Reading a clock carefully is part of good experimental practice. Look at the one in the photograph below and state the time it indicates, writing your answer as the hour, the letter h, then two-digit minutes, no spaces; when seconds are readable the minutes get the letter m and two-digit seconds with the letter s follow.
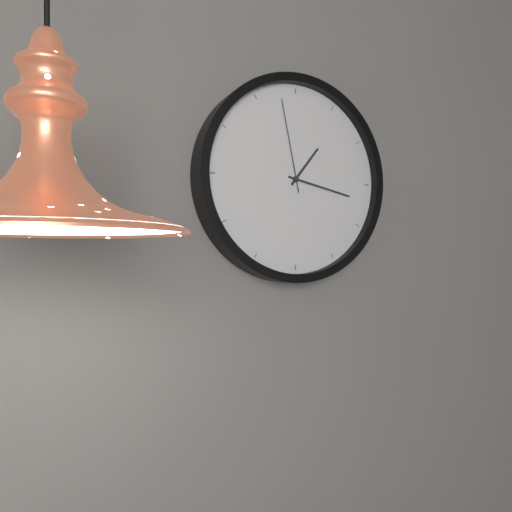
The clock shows 1h17m58s
